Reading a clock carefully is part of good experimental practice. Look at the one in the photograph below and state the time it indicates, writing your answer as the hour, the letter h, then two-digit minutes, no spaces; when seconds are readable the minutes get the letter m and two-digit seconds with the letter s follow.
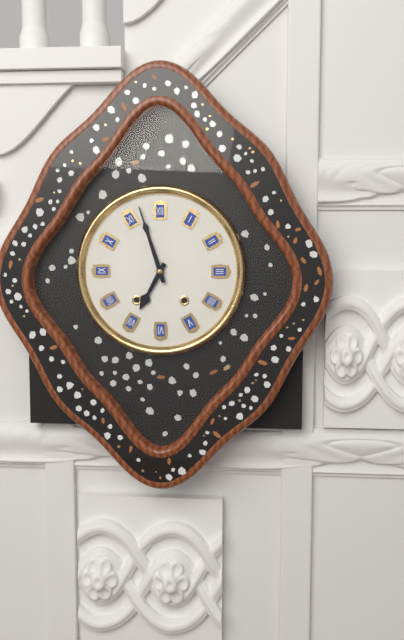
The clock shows 6h57
